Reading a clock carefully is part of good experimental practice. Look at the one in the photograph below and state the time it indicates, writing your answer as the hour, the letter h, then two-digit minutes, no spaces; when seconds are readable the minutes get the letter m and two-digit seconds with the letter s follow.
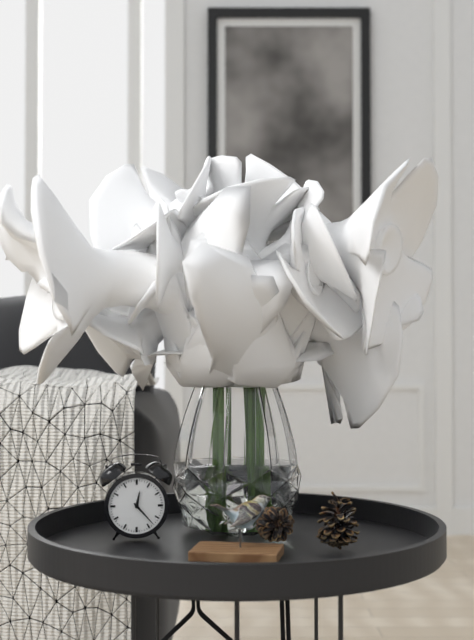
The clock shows 12h23
